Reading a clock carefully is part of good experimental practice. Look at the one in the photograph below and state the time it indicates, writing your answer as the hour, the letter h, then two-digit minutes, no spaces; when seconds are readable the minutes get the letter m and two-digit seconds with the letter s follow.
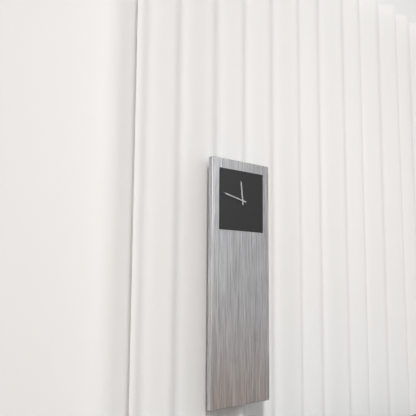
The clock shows 11h47
